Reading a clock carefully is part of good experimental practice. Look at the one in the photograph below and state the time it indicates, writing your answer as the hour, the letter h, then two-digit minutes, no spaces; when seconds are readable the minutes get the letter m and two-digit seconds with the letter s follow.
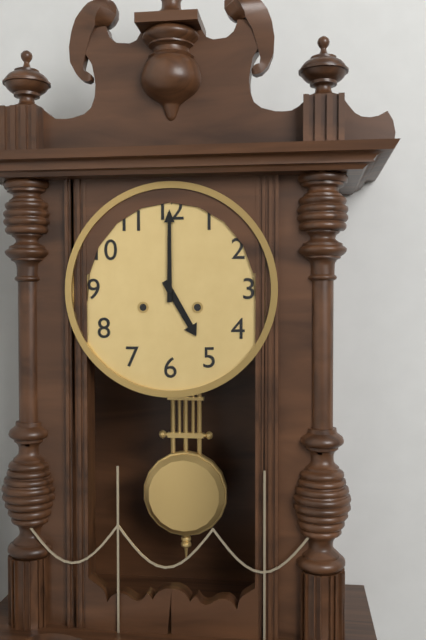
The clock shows 5h00
